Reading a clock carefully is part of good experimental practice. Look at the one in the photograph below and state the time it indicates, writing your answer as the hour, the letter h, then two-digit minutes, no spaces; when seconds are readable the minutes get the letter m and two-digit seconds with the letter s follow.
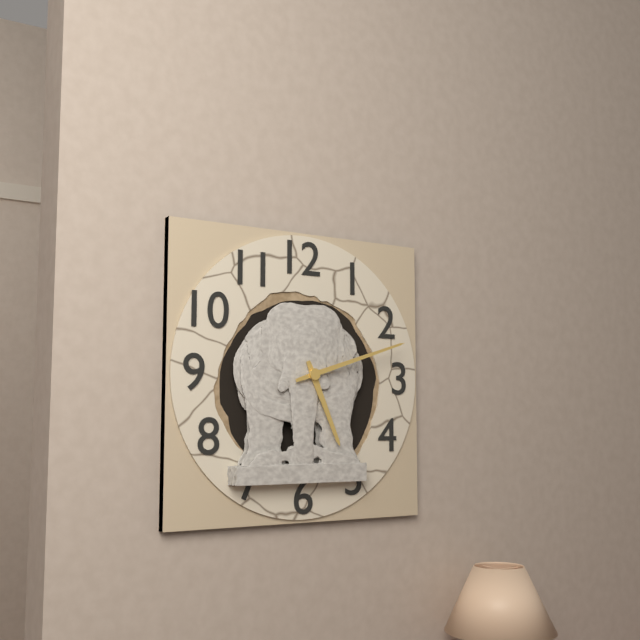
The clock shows 5h12
